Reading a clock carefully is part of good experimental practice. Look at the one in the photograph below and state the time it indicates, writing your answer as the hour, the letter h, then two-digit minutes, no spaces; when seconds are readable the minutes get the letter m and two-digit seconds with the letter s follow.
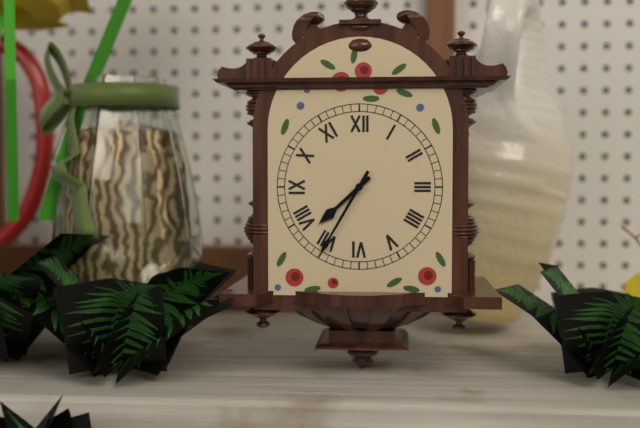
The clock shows 7h35
